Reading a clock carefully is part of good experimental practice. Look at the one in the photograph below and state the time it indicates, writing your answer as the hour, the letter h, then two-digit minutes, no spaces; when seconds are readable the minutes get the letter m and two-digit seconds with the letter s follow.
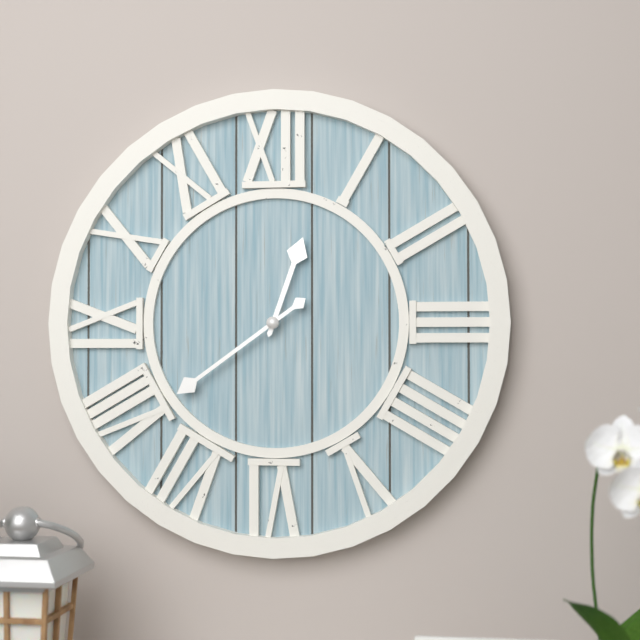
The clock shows 12h39
